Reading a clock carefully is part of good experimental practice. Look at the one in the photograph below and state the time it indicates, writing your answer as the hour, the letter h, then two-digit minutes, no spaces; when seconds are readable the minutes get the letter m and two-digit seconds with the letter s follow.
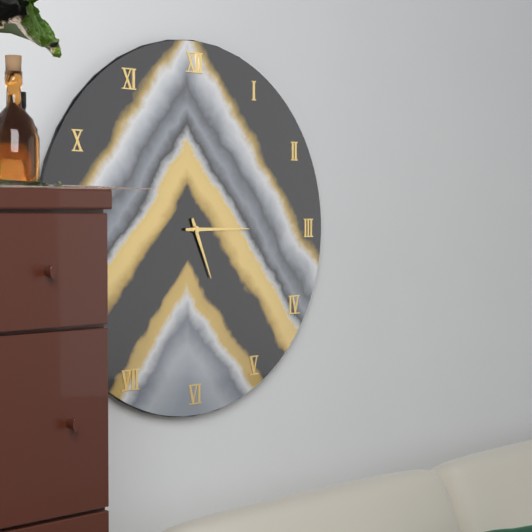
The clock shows 5h15
